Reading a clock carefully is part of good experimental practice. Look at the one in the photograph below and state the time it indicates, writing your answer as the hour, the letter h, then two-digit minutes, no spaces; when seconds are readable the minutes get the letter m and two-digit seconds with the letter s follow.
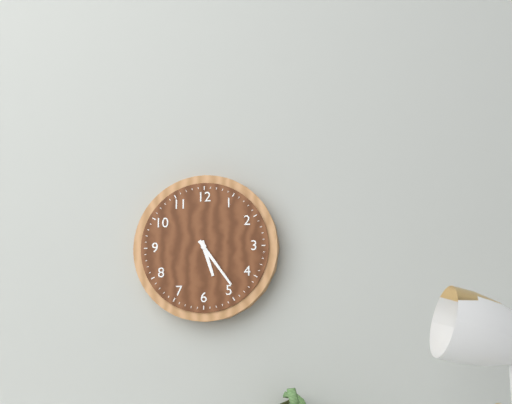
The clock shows 5h24
